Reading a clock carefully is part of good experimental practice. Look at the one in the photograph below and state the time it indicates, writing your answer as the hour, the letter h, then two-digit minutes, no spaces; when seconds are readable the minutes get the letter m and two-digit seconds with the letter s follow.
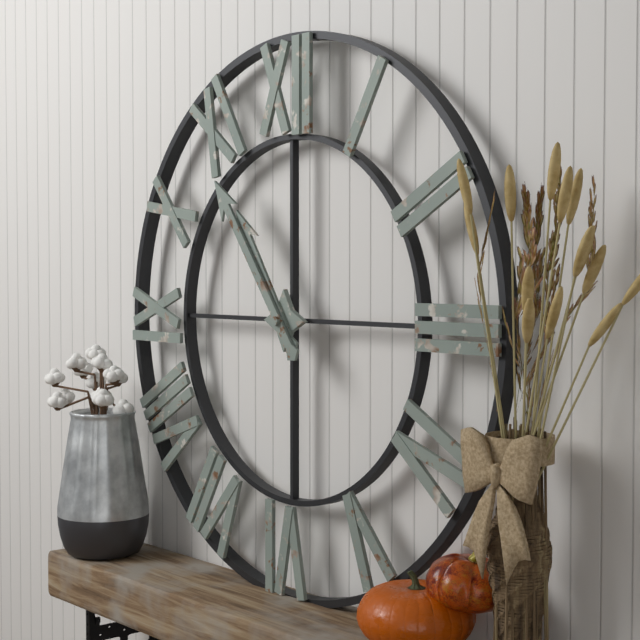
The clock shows 10h54
